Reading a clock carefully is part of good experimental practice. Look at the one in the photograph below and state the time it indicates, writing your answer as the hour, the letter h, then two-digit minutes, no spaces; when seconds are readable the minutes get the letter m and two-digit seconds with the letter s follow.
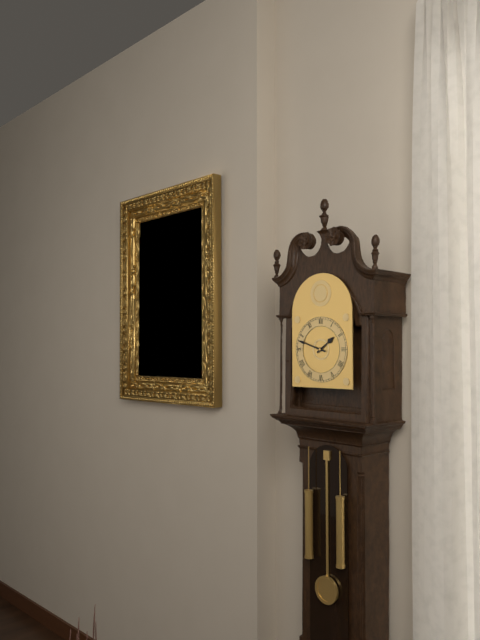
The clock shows 1h48
